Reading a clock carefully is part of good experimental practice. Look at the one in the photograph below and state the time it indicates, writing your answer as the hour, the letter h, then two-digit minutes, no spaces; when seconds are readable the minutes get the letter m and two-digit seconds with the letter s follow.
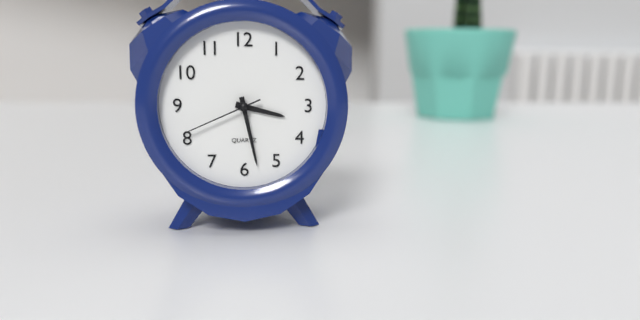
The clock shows 3h28m41s
